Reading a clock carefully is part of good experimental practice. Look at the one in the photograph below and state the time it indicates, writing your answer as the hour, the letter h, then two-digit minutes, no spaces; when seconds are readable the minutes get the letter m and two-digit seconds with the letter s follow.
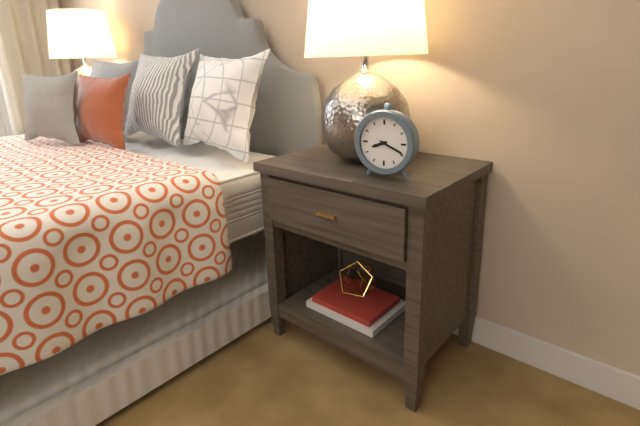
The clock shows 8h19
